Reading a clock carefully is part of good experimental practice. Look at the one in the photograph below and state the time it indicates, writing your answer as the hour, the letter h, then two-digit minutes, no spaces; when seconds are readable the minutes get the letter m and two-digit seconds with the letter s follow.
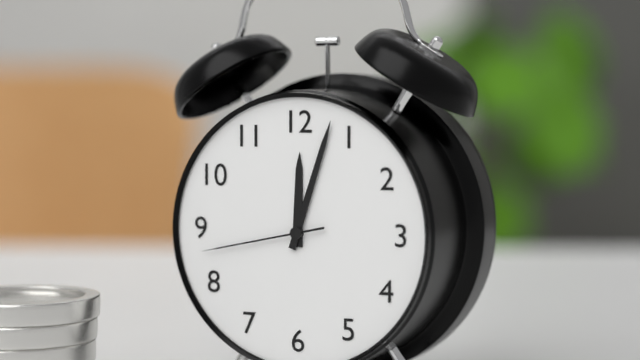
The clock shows 12h03m43s
